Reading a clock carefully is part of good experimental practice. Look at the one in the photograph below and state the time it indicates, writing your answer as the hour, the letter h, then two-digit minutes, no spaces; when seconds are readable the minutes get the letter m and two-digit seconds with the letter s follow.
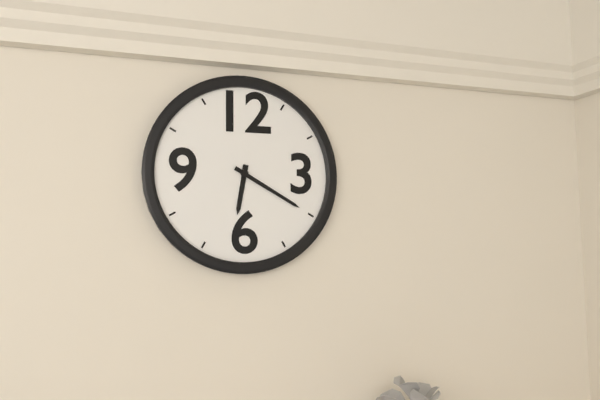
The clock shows 6h20
